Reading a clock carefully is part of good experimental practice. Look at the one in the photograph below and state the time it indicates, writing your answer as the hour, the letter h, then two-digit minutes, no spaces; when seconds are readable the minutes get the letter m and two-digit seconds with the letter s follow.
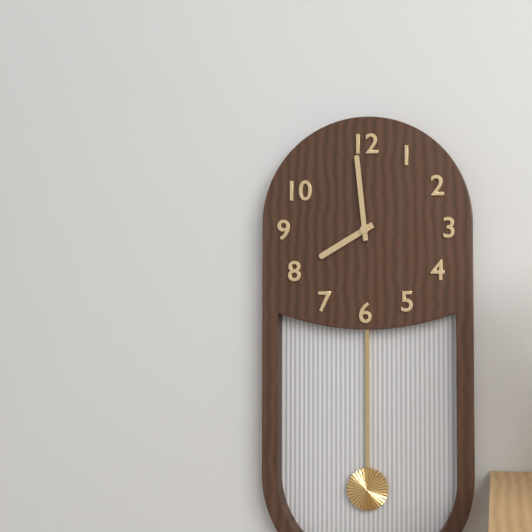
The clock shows 7h59
